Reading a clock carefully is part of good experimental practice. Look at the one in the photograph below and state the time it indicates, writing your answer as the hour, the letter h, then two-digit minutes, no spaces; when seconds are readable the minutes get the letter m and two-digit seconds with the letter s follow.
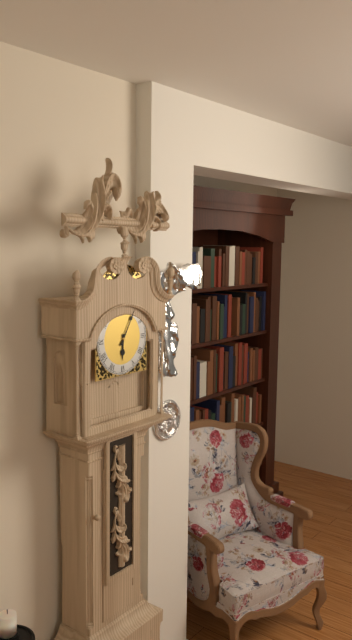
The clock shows 6h05
